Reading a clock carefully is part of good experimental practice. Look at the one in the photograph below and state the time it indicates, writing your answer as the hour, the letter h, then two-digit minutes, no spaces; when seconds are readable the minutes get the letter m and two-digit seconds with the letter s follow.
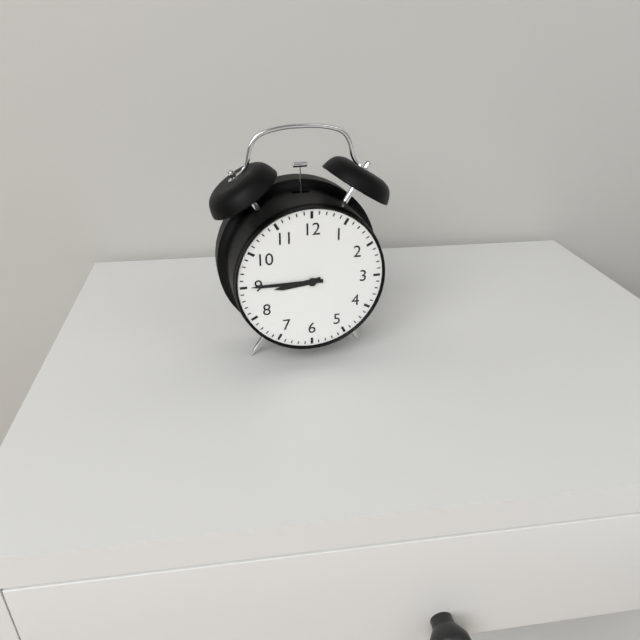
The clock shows 8h45
